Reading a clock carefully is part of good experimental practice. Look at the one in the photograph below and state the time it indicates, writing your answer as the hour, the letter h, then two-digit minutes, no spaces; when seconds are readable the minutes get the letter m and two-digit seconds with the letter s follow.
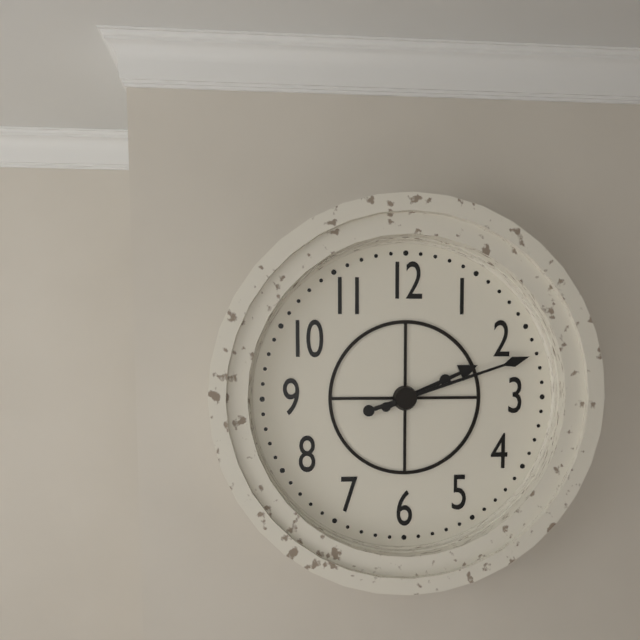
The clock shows 2h12
